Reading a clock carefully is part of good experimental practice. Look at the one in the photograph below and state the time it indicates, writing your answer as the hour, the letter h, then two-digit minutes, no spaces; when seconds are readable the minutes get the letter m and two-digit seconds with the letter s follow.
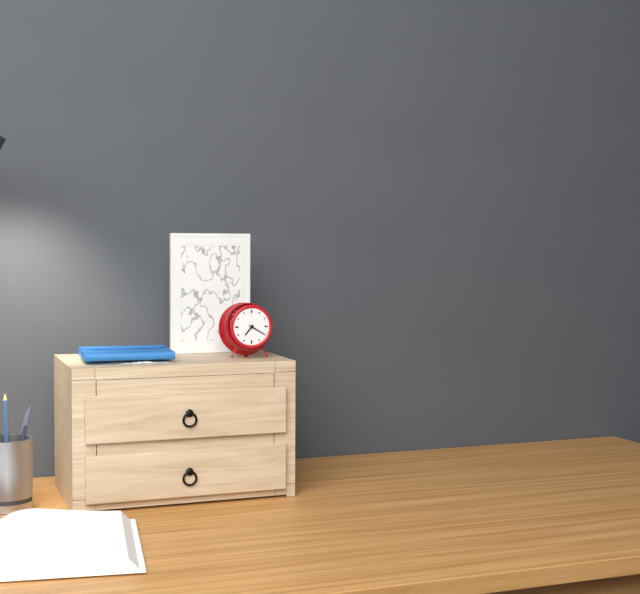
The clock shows 7h20
